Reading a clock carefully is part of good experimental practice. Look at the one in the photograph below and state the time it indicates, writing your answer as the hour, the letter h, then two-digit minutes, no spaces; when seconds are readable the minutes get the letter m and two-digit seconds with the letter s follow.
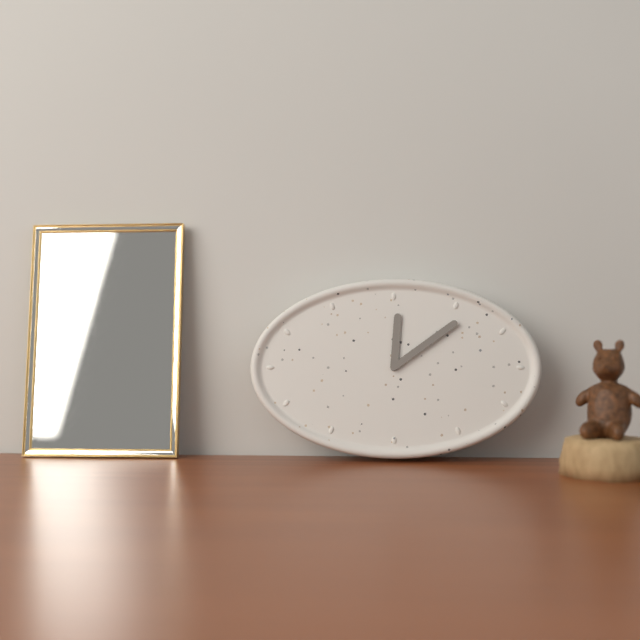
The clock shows 12h09
